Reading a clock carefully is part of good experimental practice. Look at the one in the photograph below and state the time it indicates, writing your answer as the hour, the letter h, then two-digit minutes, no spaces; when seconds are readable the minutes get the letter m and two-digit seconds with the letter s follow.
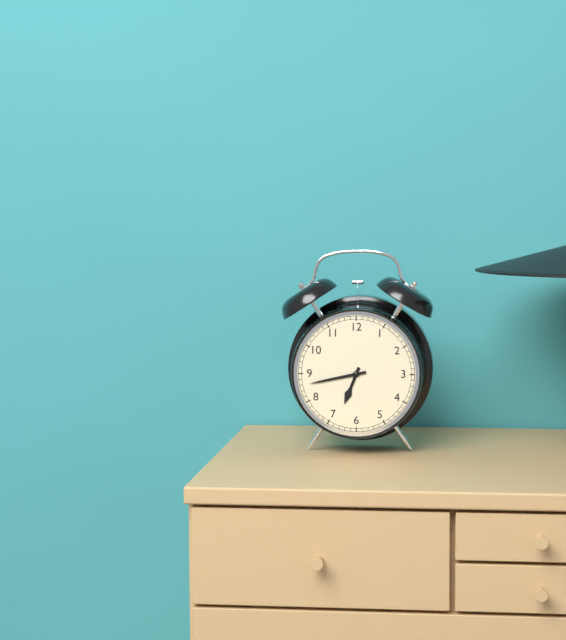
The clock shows 6h43
